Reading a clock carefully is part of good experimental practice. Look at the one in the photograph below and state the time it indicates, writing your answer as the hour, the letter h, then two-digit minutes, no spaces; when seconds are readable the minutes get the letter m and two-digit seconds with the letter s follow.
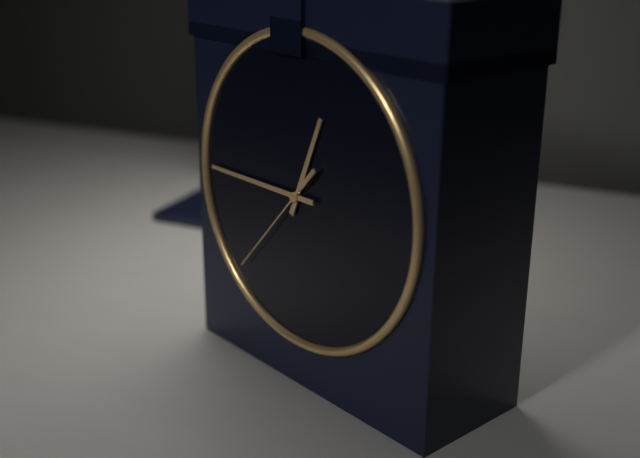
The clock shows 12h45m37s
